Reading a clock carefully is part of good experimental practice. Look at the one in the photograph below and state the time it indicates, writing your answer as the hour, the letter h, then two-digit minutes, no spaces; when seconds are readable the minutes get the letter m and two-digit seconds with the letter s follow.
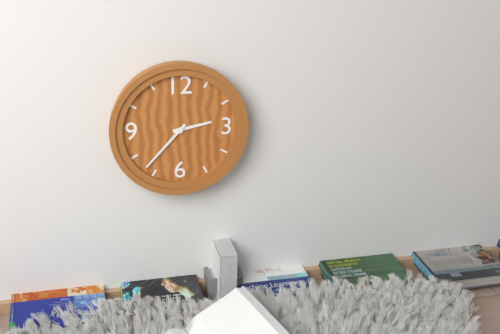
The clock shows 2h37
